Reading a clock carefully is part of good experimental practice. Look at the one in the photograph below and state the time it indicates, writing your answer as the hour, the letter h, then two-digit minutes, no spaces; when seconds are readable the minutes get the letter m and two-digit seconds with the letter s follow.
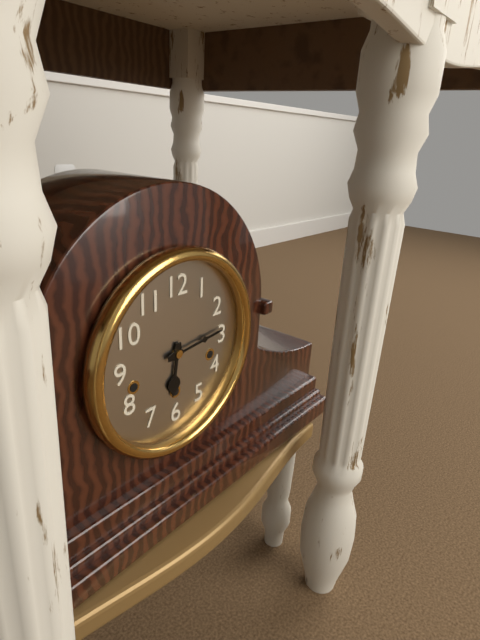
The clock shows 6h14
